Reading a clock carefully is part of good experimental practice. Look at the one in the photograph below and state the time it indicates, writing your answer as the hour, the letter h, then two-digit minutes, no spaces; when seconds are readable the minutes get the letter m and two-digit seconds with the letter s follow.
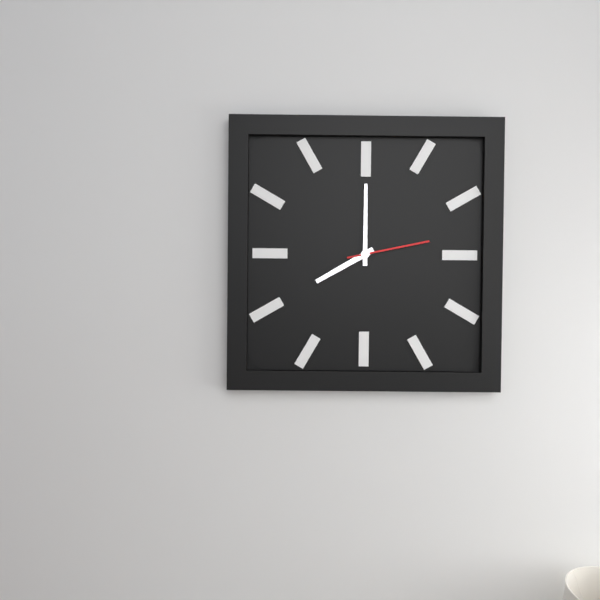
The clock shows 8h00m13s
